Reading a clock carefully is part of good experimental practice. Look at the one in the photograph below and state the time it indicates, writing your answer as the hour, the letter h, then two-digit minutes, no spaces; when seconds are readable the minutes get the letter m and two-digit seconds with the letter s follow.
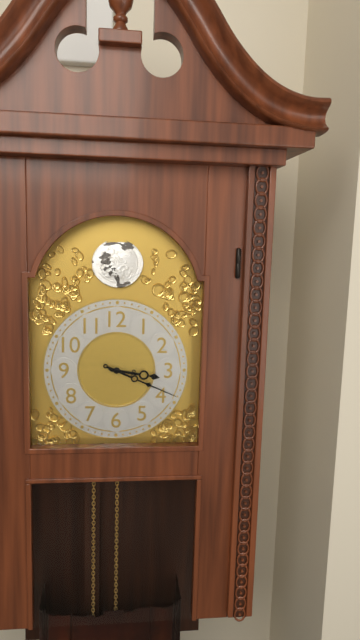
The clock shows 3h19
